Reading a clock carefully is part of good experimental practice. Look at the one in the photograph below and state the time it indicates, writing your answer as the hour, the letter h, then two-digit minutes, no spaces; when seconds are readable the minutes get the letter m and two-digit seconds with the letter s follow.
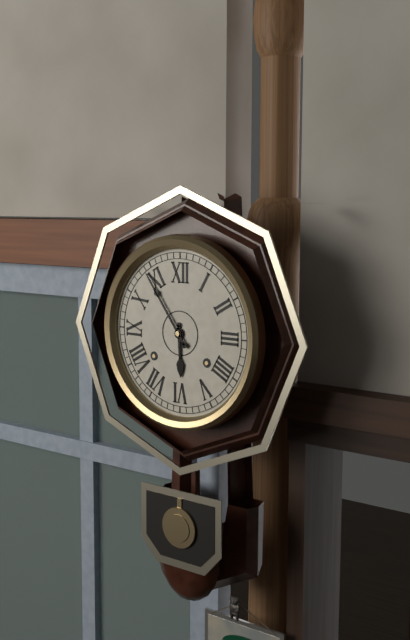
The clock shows 5h54
